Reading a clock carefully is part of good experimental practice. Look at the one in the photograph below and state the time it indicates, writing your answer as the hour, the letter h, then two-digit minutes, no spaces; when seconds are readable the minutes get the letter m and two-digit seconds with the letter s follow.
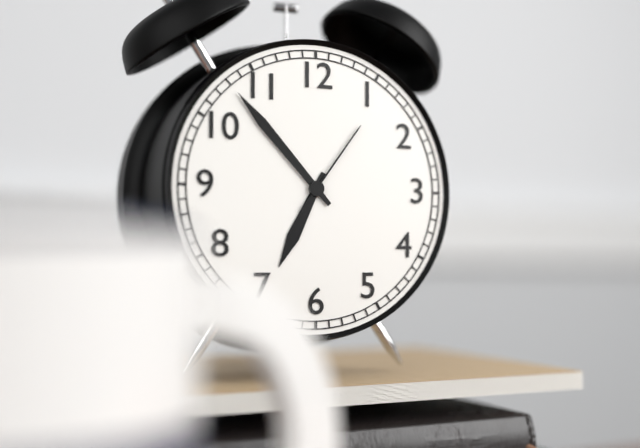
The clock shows 6h53m06s
